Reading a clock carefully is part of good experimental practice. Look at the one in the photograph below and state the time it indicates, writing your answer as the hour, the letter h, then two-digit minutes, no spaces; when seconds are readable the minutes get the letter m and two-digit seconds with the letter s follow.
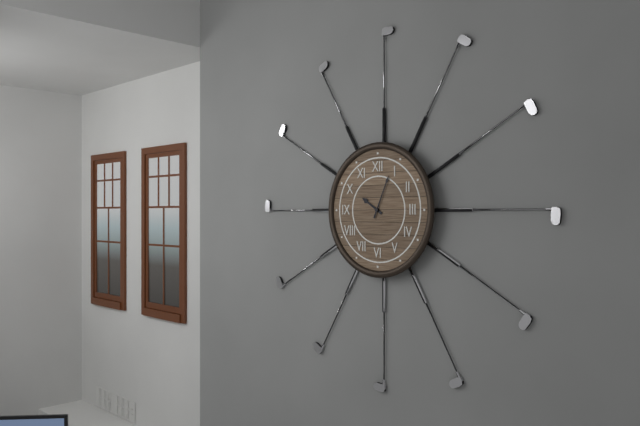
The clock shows 10h04
